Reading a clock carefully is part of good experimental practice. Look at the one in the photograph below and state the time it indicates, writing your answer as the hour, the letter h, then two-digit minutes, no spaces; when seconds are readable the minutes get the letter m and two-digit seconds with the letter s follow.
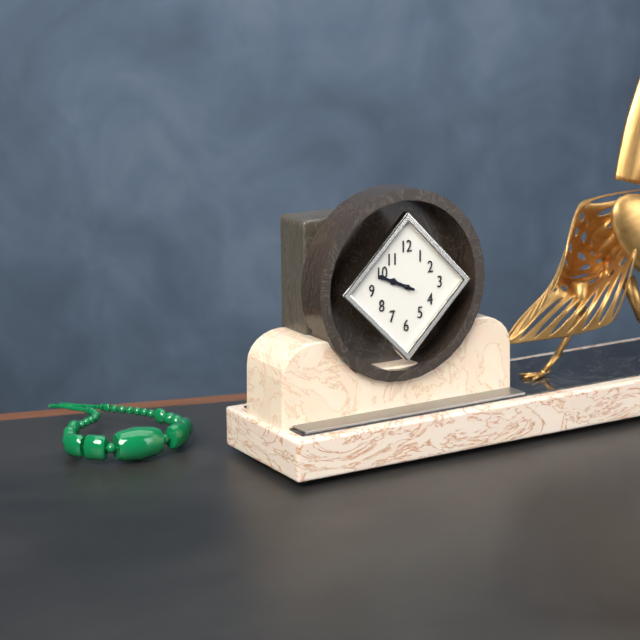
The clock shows 9h49
